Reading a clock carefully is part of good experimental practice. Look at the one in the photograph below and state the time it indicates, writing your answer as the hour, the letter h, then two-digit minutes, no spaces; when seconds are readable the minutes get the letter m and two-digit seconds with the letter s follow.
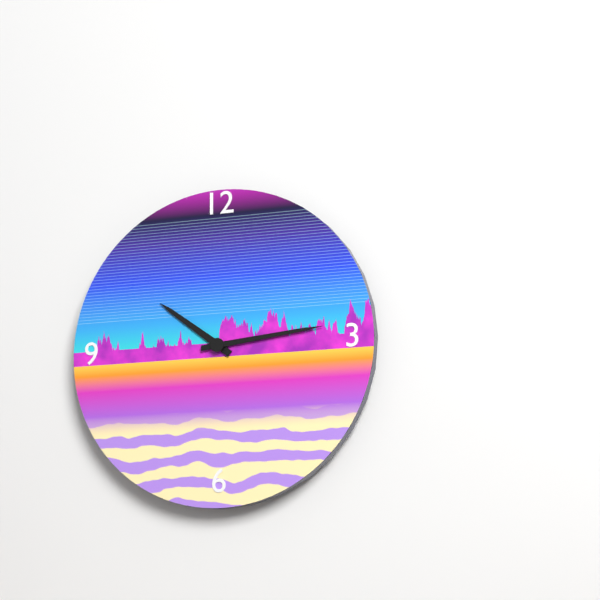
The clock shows 10h14
